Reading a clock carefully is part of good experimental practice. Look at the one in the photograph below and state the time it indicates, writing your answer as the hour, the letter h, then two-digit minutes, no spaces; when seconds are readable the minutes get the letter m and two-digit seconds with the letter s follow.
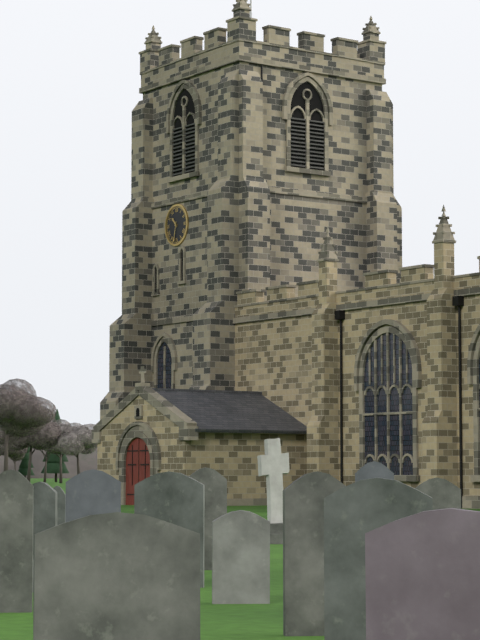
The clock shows 10h32
